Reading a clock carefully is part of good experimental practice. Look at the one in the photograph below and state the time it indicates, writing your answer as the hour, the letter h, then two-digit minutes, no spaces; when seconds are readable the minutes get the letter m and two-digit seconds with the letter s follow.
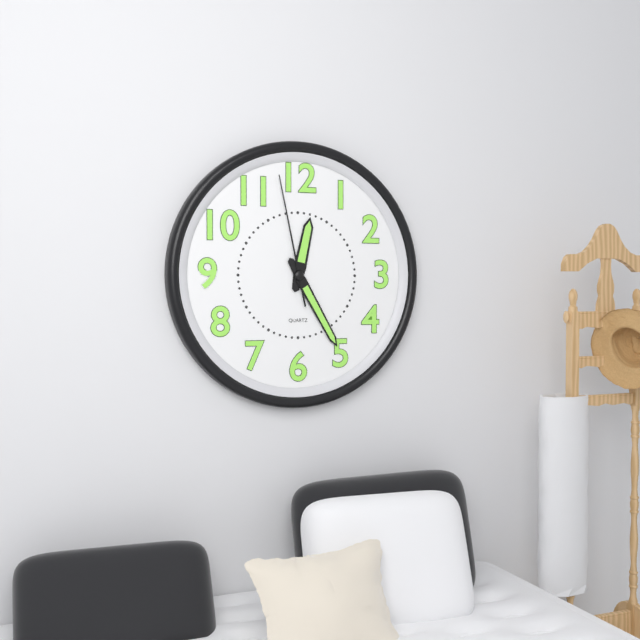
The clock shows 12h25m58s
